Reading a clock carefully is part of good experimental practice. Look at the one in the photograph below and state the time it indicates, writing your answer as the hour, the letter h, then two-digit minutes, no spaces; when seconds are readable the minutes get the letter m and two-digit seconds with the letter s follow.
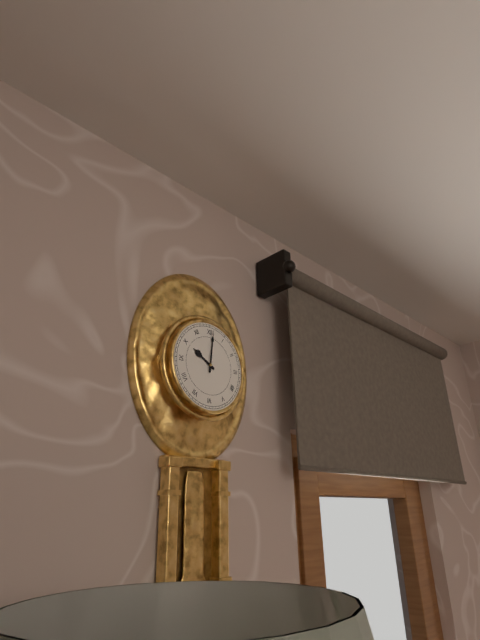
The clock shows 10h01
